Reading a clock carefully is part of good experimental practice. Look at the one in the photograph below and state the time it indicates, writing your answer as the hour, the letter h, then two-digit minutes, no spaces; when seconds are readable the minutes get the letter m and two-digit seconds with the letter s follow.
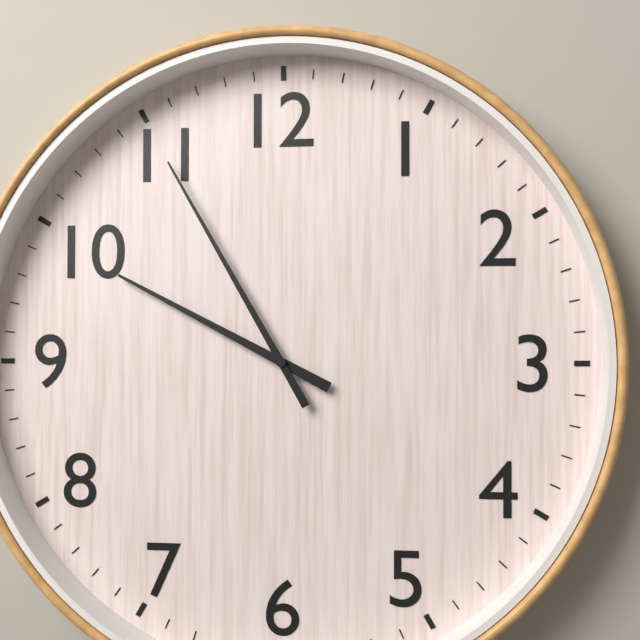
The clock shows 9h55
